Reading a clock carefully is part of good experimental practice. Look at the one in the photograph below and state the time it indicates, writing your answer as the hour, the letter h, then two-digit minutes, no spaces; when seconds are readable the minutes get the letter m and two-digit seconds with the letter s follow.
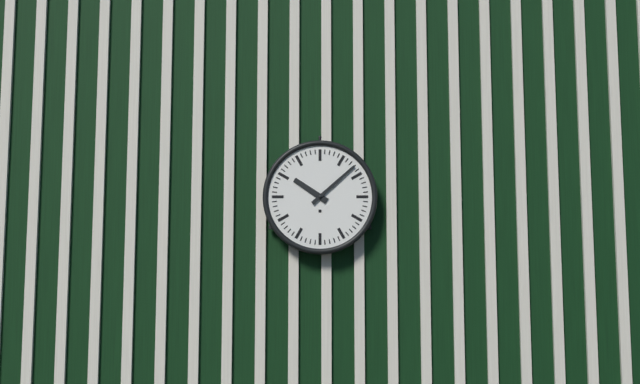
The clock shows 10h08
